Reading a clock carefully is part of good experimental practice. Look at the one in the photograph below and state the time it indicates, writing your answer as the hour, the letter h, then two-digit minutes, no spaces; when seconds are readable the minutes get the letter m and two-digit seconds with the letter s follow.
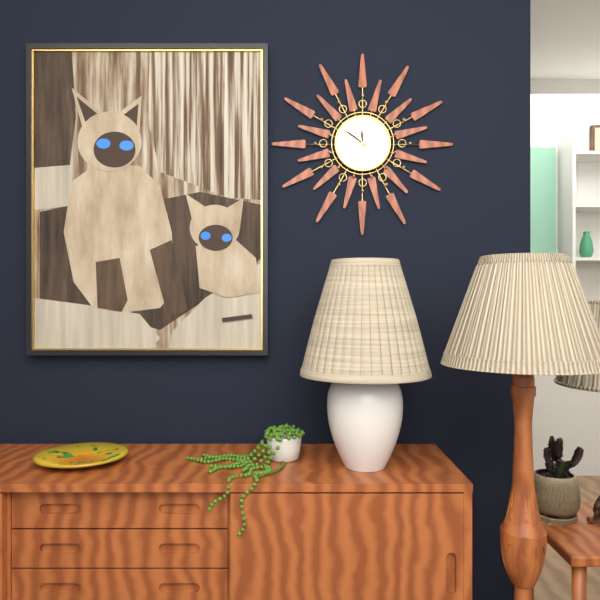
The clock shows 11h51
